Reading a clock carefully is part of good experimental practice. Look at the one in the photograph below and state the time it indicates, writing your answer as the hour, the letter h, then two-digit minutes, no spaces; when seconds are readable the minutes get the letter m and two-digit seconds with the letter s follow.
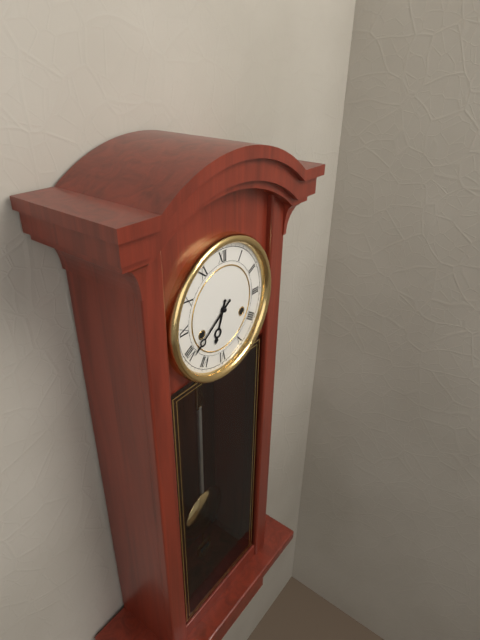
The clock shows 6h39
